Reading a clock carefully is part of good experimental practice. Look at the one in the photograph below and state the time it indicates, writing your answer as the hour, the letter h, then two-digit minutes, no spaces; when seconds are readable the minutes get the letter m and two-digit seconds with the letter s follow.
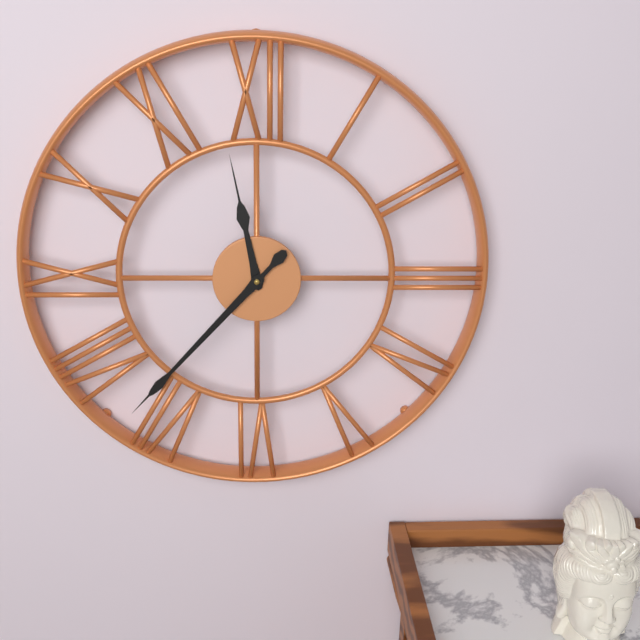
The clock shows 11h37
